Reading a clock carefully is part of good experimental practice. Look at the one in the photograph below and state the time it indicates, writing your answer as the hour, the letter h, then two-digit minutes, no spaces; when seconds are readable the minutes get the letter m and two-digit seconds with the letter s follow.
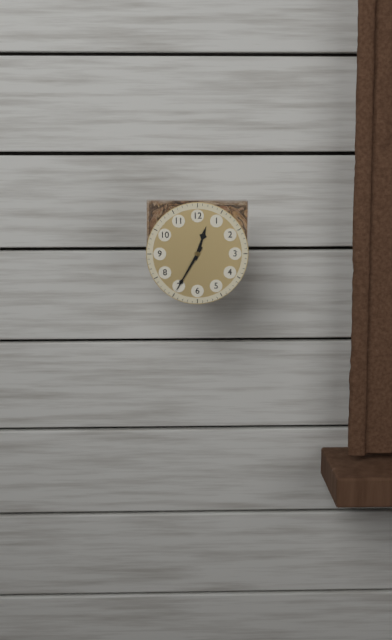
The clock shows 12h35
